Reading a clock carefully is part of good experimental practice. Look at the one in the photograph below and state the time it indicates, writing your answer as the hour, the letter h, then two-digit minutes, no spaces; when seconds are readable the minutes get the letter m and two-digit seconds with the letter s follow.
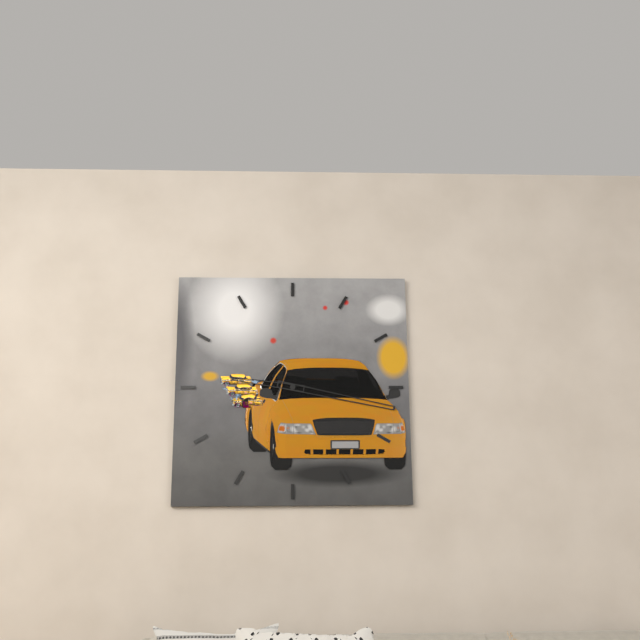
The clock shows 9h17
